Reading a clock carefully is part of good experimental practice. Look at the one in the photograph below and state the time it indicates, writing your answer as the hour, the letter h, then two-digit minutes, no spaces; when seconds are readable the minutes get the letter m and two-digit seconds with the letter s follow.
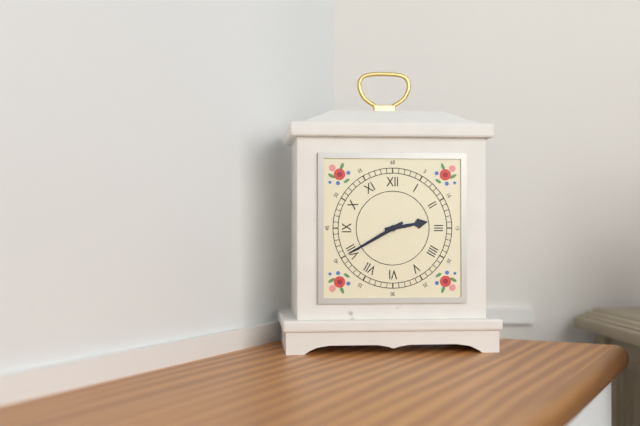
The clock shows 2h40
